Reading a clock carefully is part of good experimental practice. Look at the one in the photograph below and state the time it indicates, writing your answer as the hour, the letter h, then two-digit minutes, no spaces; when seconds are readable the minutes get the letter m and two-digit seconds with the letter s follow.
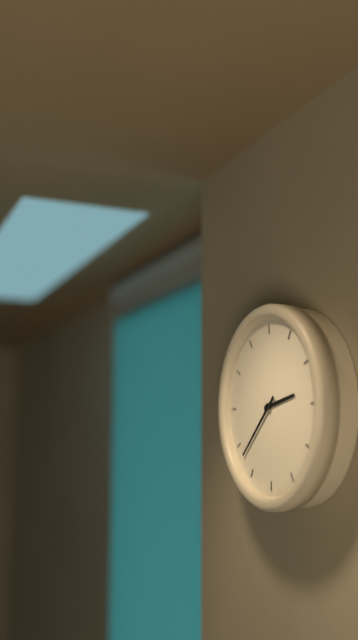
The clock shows 2h38
